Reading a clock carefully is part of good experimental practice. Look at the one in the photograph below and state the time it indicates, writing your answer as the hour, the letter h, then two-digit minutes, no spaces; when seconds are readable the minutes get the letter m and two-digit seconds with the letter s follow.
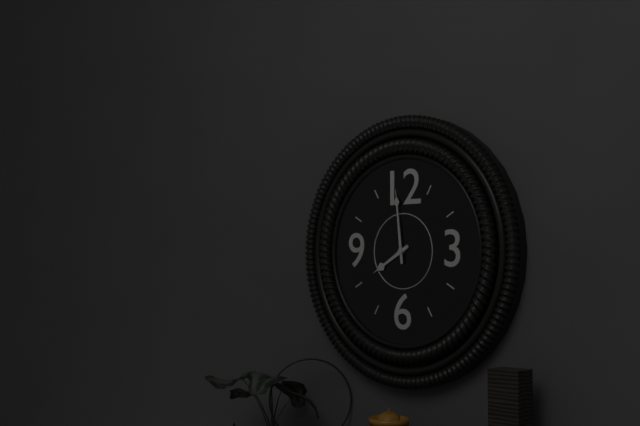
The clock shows 7h59
